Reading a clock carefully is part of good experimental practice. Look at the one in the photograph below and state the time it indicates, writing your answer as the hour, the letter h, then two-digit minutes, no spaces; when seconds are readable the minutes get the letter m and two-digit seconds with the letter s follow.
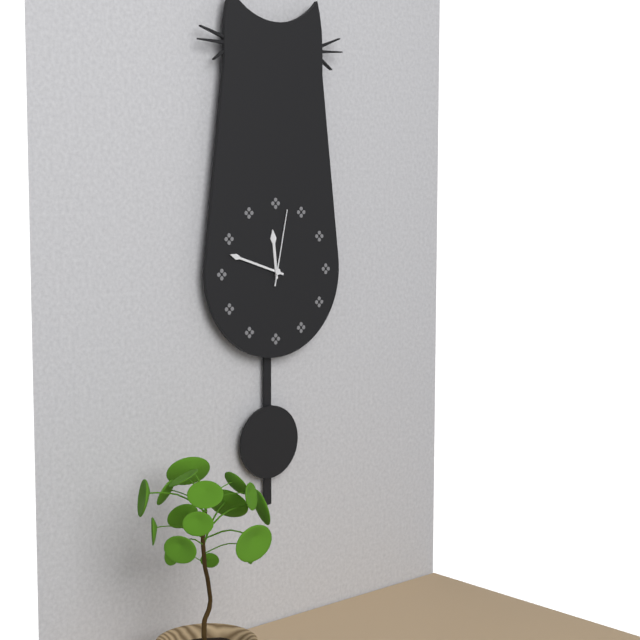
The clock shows 11h48m02s
